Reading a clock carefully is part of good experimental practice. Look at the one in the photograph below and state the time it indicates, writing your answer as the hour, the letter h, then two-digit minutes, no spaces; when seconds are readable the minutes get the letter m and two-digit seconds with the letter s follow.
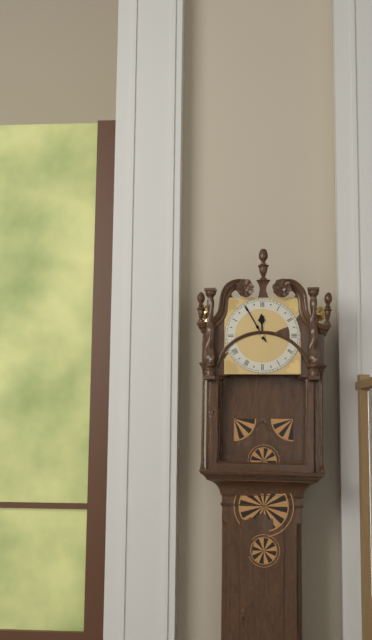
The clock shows 11h55
